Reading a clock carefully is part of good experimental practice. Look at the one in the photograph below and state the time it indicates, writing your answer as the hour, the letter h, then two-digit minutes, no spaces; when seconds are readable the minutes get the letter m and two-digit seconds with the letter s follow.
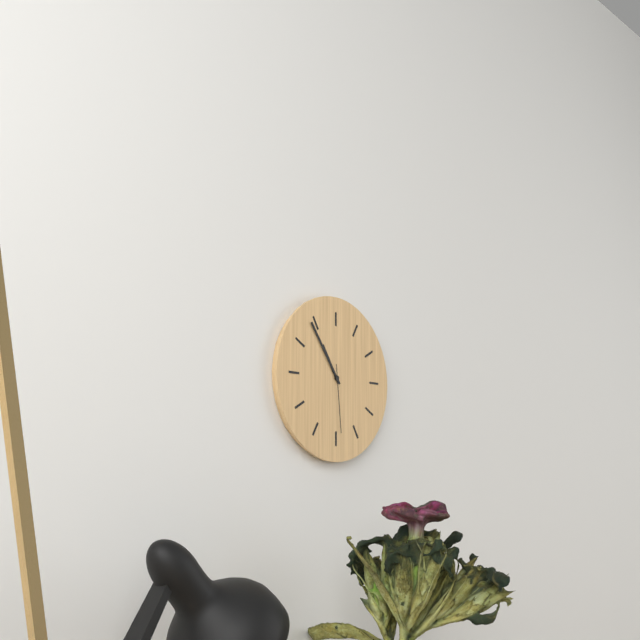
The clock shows 10h54m29s
